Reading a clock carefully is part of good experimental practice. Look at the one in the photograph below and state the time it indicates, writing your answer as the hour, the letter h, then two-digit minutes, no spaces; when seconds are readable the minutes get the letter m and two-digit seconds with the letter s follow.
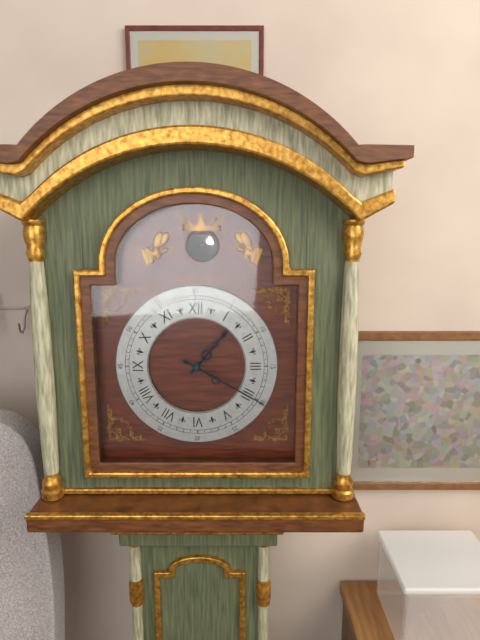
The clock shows 1h20
